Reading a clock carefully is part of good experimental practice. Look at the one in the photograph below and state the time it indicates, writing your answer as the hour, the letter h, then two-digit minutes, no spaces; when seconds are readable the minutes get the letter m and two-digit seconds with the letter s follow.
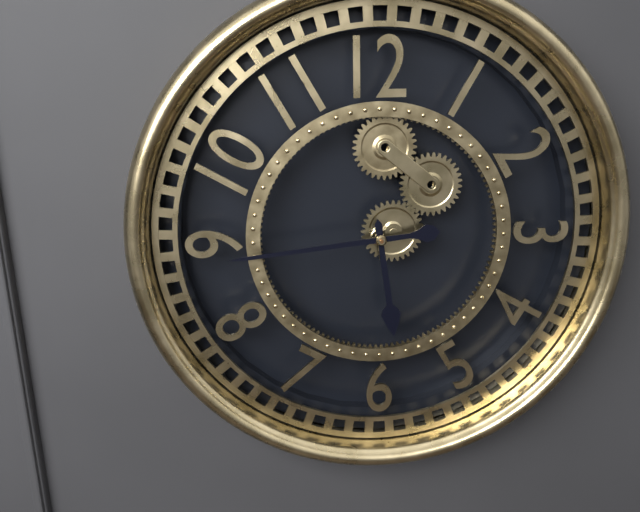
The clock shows 5h44
